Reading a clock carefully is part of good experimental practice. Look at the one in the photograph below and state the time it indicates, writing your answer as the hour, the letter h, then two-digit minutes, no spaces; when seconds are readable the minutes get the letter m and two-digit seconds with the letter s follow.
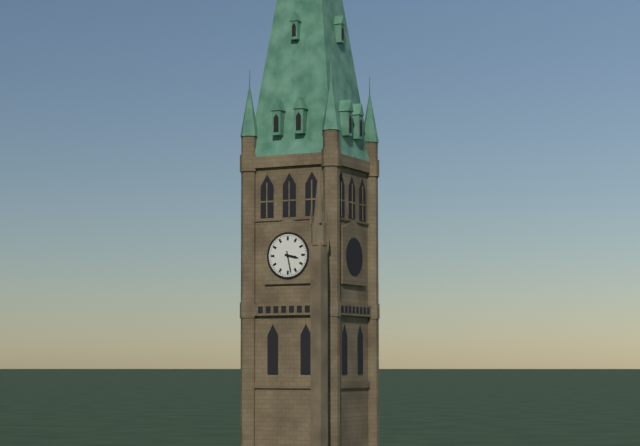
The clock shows 3h28
